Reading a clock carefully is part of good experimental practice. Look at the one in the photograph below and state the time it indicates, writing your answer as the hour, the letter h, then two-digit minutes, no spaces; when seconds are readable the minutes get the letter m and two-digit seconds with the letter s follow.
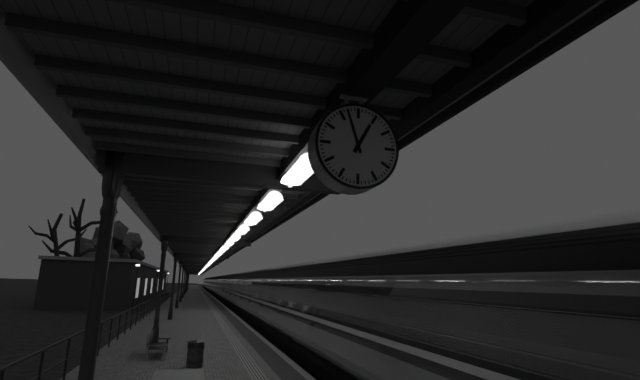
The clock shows 12h57
